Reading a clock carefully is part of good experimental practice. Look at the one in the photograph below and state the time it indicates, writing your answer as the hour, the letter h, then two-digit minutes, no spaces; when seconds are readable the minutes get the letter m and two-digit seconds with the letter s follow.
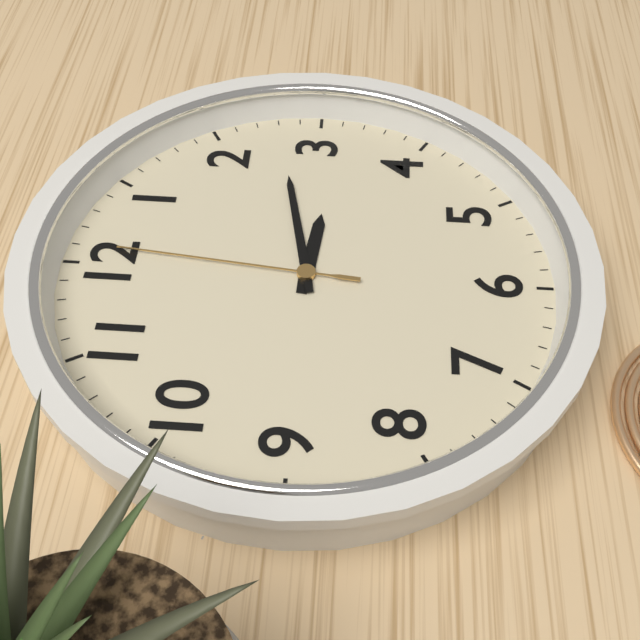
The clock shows 3h13m01s
